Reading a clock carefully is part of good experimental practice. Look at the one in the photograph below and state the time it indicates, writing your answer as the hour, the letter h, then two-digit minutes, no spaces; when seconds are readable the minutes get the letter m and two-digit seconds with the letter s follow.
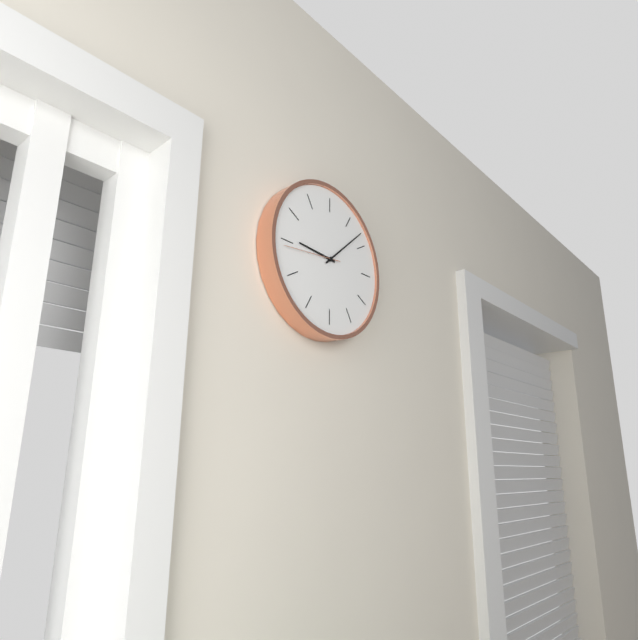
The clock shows 9h08m44s
